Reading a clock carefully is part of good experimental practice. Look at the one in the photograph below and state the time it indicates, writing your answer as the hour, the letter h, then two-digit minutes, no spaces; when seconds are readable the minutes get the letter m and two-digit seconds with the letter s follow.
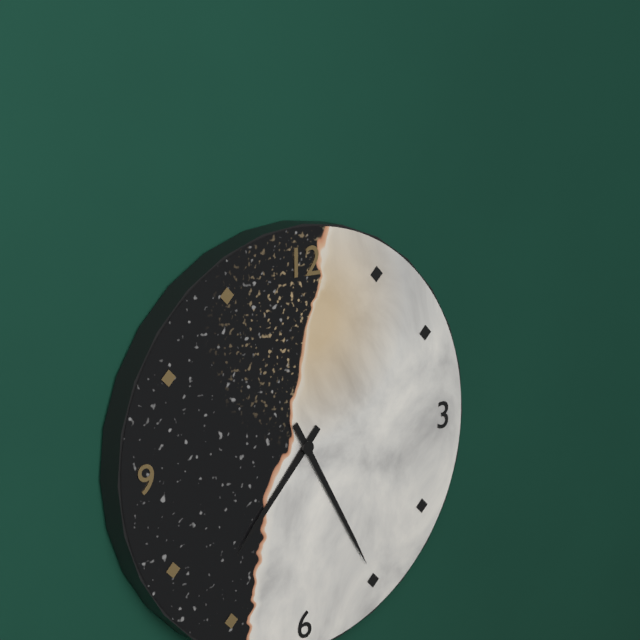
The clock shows 7h25
